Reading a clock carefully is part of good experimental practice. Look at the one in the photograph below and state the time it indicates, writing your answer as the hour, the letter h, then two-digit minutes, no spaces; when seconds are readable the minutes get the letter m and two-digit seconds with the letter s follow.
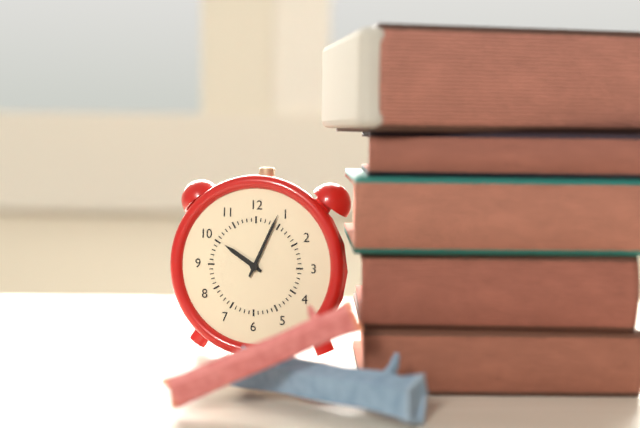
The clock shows 10h04
